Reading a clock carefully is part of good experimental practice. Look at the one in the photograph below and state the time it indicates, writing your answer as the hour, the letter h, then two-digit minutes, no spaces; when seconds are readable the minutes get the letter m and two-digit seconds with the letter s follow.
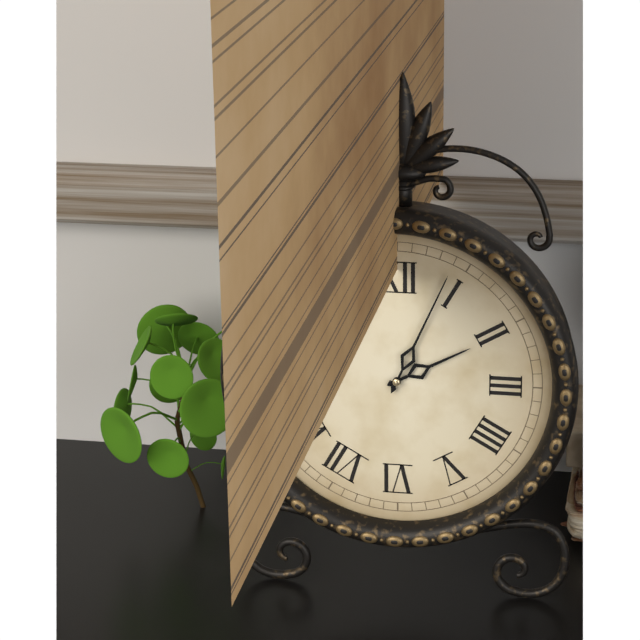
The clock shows 2h04
